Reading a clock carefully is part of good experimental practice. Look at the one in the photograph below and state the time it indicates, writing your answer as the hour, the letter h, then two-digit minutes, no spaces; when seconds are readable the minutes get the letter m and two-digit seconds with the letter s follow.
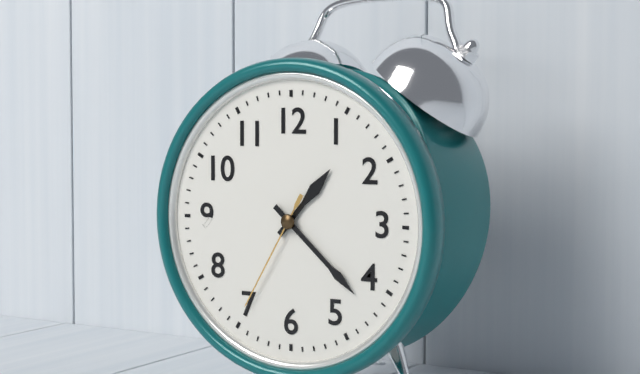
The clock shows 1h22m35s
